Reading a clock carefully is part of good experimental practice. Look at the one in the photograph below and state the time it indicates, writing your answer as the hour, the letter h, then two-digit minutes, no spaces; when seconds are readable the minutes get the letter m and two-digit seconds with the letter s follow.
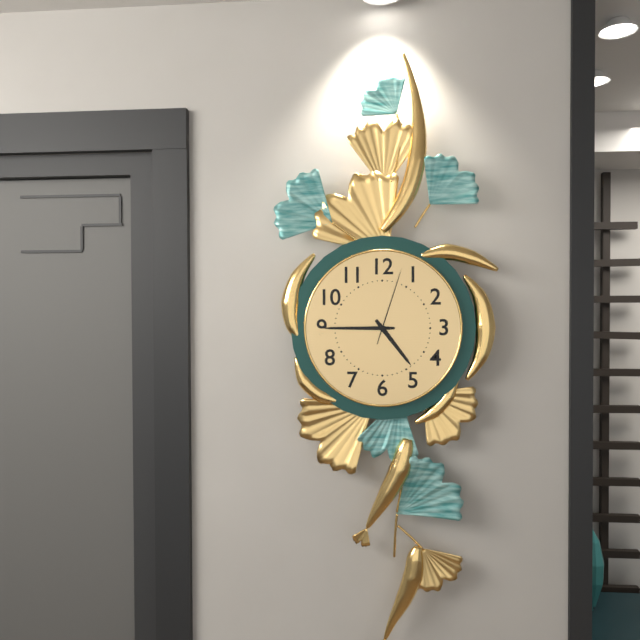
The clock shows 4h45m03s
